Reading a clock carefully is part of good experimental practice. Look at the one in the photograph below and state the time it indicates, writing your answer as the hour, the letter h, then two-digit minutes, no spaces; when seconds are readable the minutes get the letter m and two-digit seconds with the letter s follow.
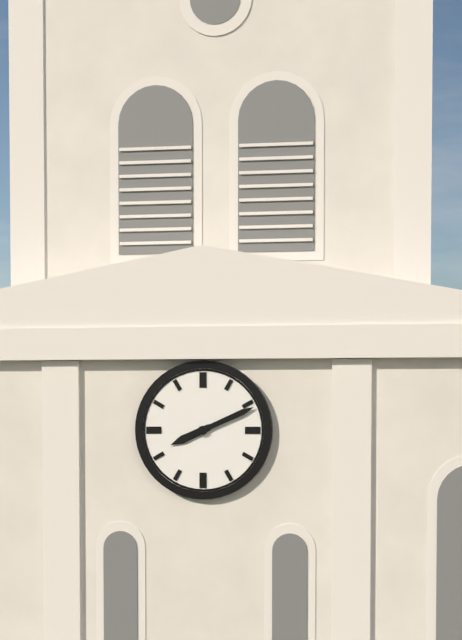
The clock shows 8h11
